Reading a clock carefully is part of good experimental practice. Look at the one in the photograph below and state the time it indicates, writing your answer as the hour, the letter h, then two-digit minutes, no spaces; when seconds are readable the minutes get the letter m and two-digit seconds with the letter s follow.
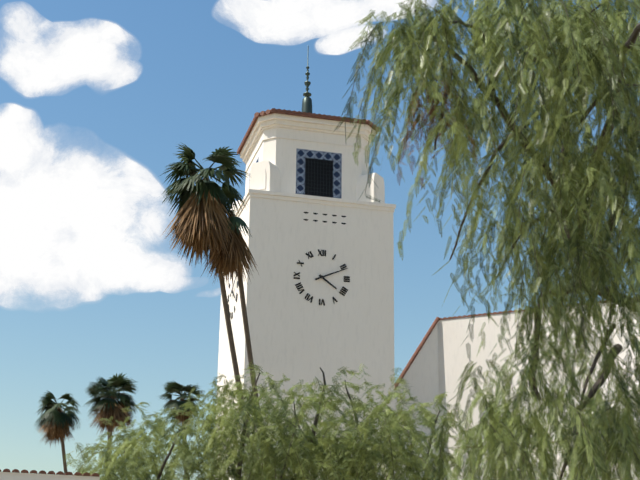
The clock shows 4h11
